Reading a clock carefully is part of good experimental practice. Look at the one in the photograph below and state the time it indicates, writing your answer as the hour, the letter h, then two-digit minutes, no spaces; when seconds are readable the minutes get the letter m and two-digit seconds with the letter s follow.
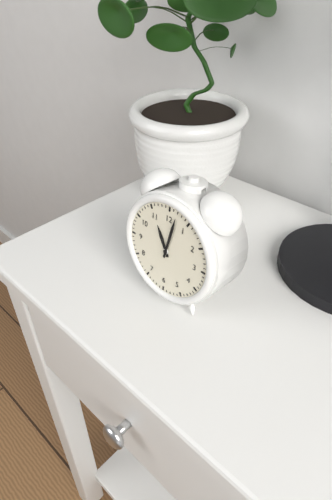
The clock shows 11h02
